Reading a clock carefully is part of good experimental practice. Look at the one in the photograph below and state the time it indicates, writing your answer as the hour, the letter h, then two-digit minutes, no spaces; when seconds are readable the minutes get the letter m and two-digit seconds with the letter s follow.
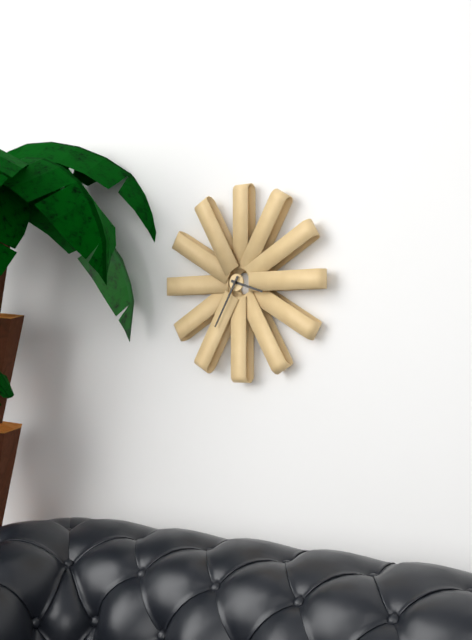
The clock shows 3h35
